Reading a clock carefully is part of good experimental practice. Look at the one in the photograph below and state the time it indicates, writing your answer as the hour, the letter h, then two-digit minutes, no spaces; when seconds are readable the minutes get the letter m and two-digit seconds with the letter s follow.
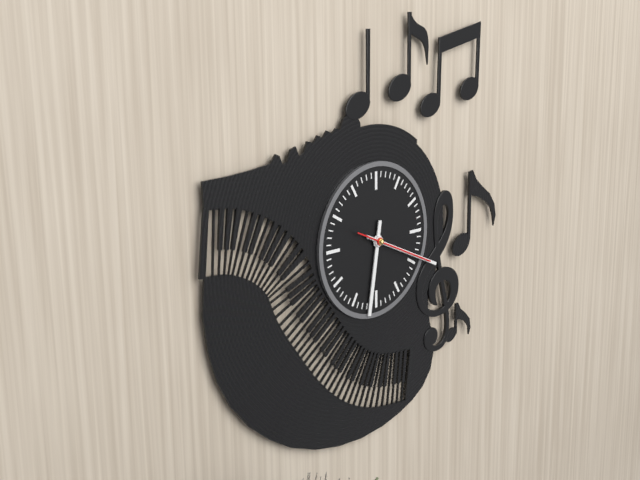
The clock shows 6h19m19s
